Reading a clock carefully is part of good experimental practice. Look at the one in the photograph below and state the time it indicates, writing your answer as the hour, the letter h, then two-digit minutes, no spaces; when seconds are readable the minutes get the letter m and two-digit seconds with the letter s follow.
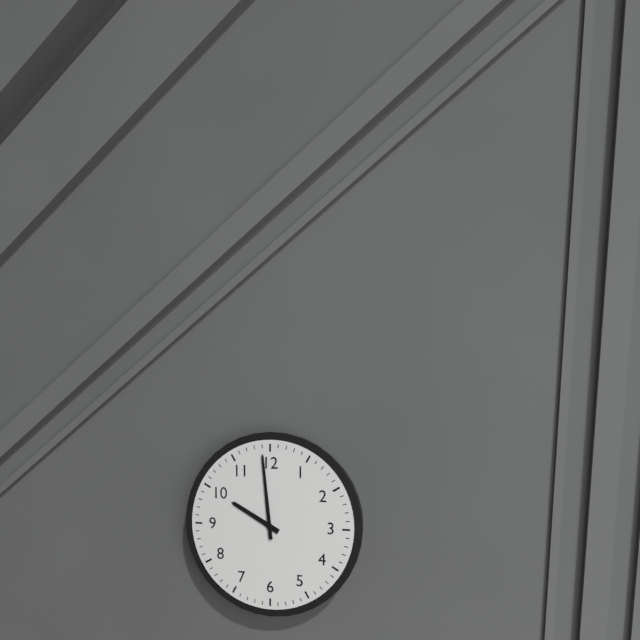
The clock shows 9h59
